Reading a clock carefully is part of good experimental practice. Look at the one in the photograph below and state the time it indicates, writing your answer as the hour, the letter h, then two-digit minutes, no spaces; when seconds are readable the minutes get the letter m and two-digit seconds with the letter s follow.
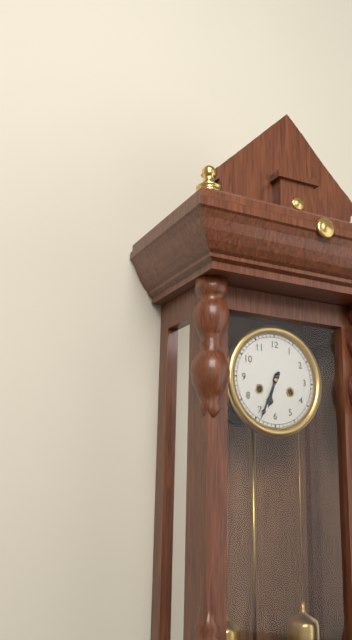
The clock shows 6h34
